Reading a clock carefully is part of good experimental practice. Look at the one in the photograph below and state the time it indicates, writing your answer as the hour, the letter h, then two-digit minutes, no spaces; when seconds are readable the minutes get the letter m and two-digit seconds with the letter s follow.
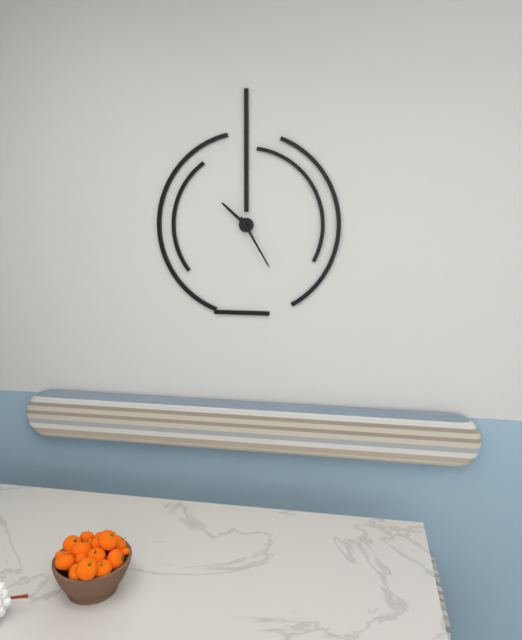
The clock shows 10h25
